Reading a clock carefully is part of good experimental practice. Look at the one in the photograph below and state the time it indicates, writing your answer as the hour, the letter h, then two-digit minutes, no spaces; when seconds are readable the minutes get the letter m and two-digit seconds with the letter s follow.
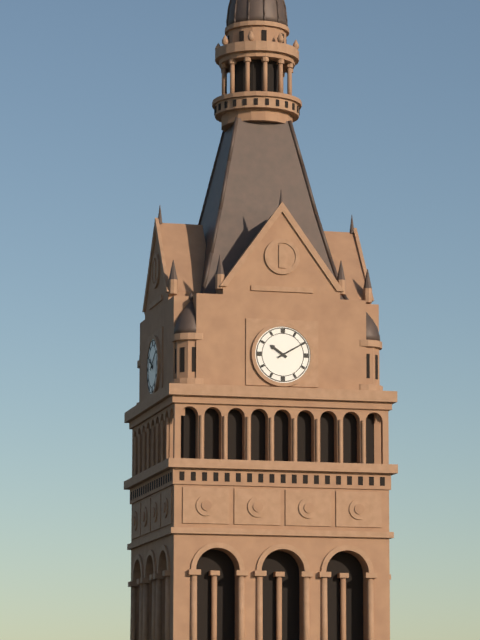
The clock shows 10h10
